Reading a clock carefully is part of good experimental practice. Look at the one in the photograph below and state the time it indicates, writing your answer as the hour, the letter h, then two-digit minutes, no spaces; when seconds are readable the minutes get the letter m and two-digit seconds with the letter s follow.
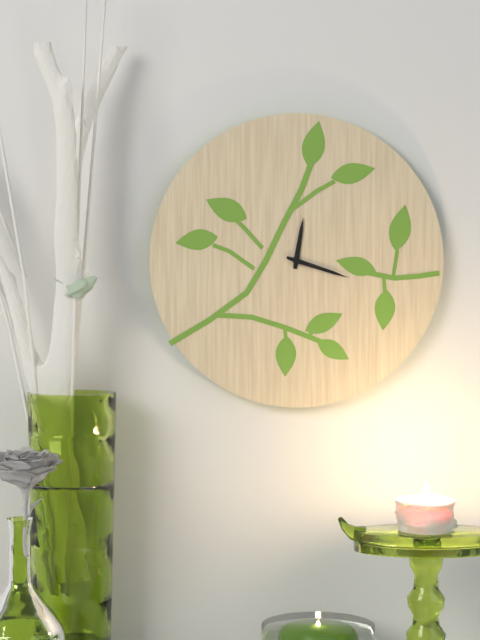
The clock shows 12h18
